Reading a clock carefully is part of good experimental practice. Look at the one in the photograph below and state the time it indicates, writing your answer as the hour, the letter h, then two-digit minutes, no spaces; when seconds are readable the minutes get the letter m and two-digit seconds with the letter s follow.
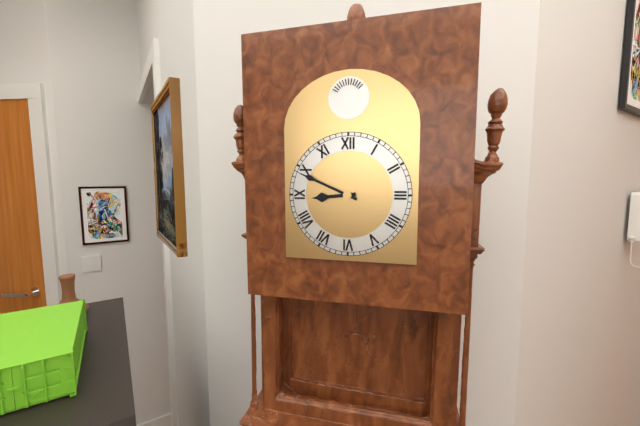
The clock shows 8h49
